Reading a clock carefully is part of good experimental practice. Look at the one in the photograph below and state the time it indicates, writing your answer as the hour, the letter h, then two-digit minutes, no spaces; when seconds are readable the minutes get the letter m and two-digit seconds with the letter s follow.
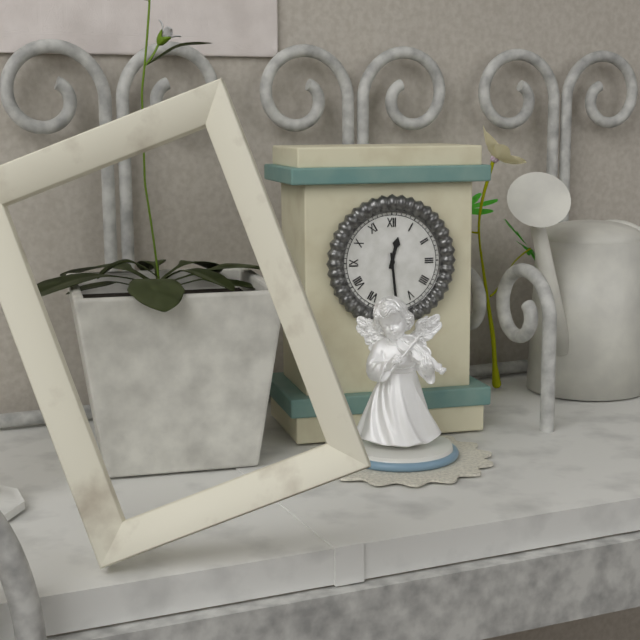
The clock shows 12h29
